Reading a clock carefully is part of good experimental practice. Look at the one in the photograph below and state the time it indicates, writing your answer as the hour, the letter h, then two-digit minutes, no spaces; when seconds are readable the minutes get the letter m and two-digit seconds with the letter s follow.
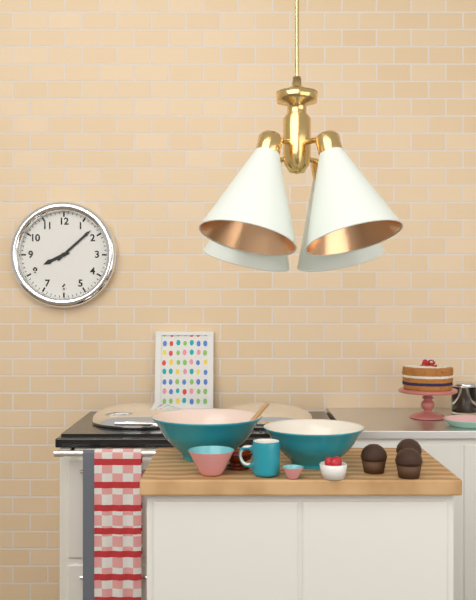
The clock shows 8h08
